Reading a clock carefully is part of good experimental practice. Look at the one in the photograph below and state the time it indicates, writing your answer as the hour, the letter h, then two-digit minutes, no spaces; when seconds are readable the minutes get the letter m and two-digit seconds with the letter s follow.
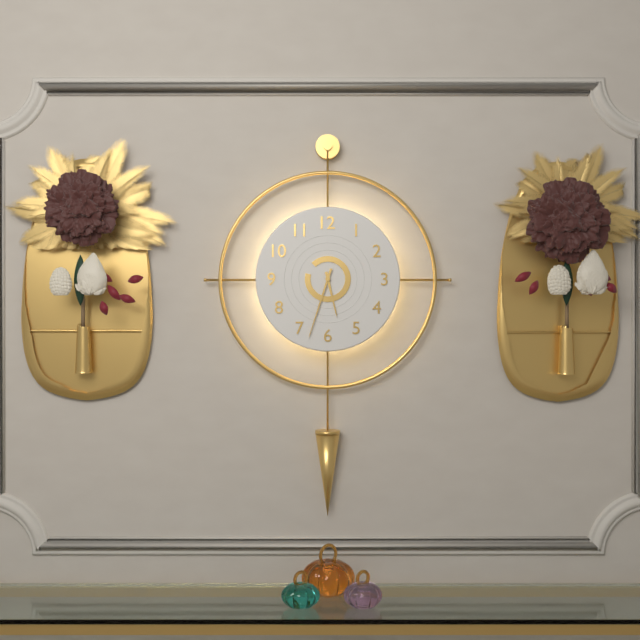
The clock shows 5h33
